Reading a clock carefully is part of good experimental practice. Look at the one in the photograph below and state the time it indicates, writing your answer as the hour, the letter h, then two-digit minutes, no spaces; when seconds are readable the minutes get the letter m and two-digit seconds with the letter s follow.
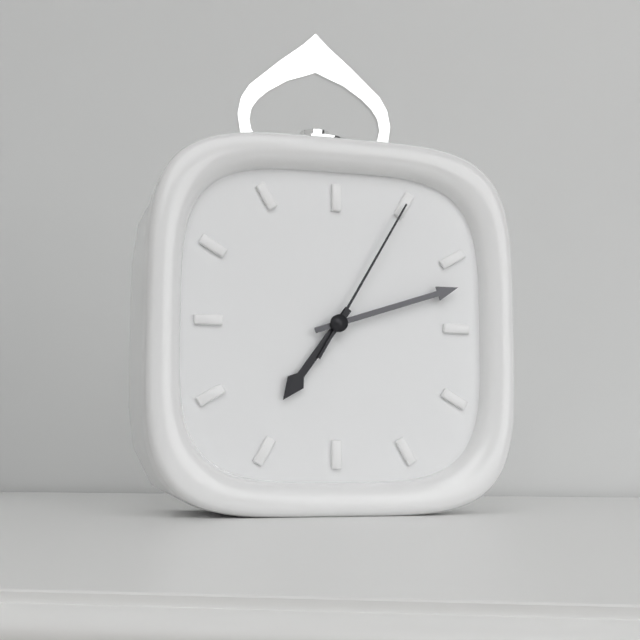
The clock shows 7h12m05s
